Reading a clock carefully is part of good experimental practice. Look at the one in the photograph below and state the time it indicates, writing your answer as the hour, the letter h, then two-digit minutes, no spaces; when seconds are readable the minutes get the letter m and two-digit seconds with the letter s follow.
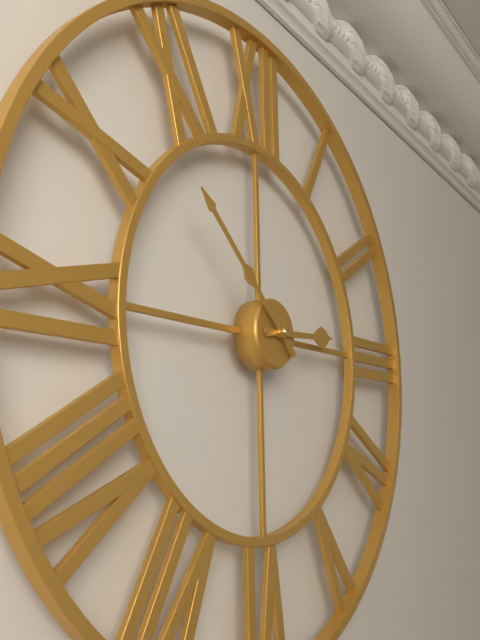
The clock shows 2h52
